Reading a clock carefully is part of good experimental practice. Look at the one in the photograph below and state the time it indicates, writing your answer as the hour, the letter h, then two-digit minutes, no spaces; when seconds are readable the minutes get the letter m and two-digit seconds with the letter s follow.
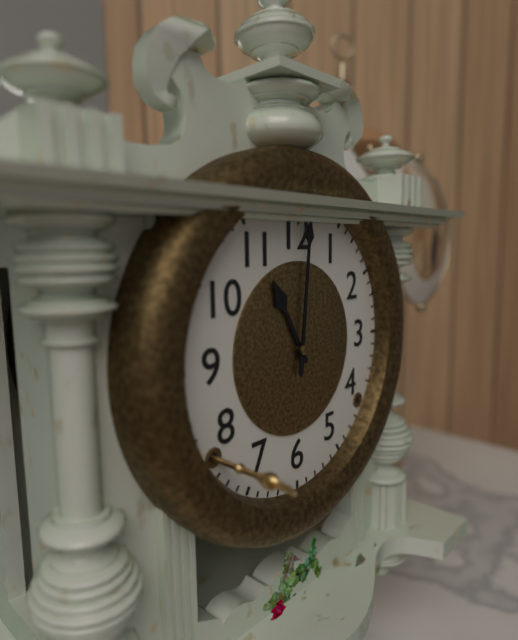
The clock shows 11h01
